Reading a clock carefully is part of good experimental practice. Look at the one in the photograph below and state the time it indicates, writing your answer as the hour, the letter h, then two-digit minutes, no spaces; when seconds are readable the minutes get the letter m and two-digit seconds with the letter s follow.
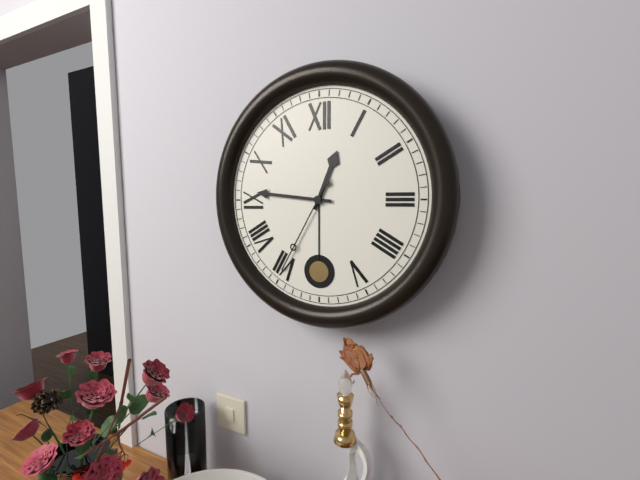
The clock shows 12h46m35s
